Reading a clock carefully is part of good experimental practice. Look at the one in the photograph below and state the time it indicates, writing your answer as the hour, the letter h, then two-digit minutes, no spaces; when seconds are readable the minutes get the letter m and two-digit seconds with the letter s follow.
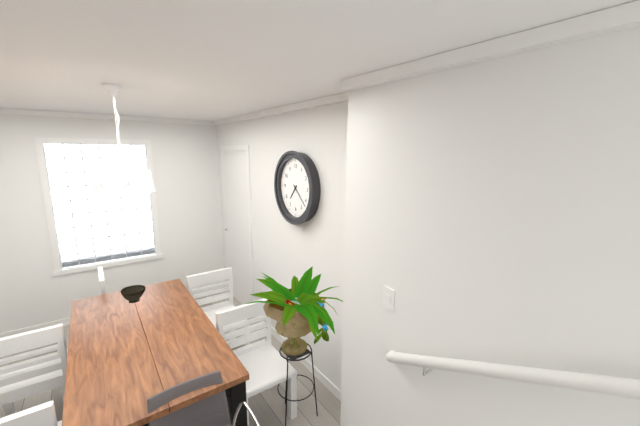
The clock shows 7h22
